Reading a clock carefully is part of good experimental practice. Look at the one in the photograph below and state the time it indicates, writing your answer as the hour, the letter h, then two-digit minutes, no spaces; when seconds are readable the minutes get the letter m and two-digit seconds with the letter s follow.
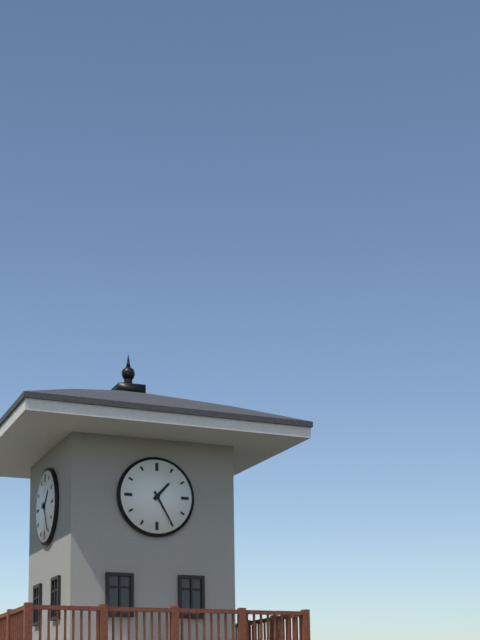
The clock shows 1h25
